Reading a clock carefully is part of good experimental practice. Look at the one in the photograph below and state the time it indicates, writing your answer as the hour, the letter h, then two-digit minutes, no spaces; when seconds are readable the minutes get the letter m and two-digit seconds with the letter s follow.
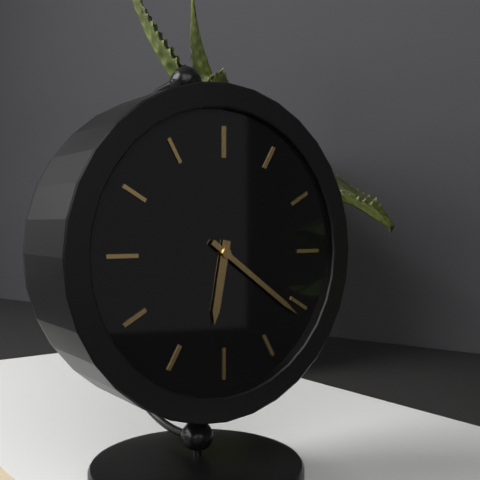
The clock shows 6h21
